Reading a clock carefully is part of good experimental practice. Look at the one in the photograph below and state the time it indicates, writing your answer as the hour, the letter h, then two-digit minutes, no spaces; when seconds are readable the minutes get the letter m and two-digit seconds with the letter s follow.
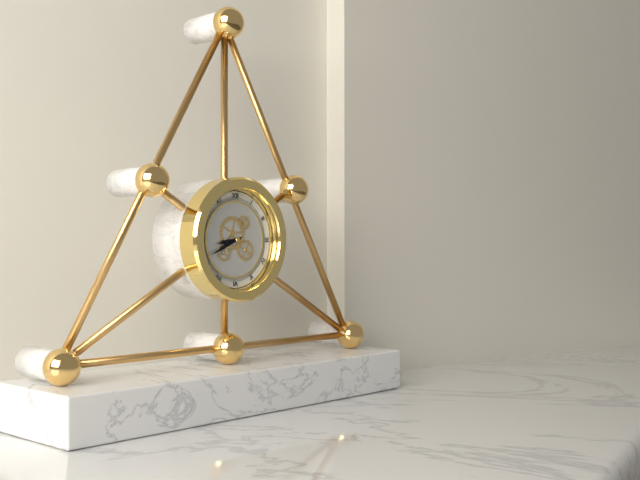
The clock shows 8h41
